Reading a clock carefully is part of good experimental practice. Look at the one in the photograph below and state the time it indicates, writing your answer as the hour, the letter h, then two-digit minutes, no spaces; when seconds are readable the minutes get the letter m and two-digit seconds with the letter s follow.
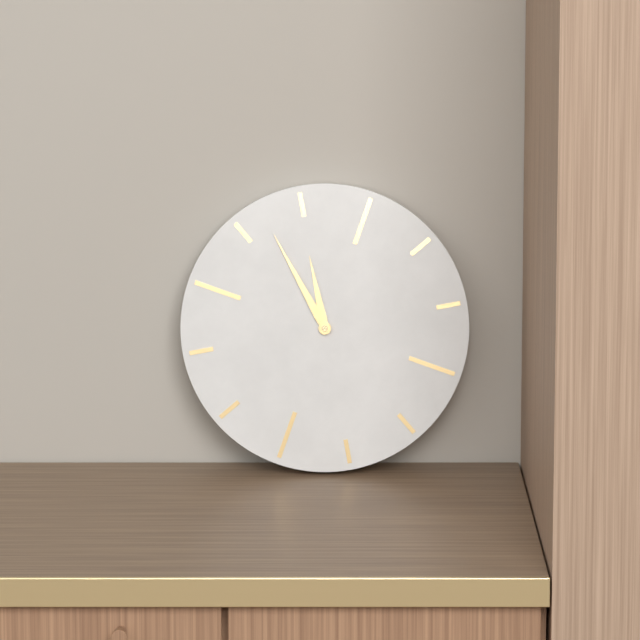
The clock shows 11h57
